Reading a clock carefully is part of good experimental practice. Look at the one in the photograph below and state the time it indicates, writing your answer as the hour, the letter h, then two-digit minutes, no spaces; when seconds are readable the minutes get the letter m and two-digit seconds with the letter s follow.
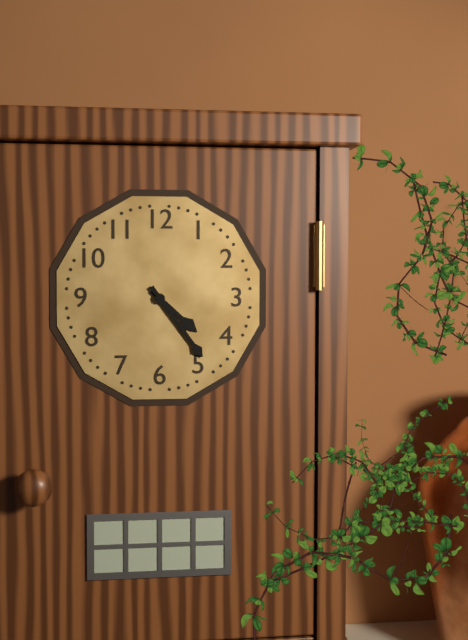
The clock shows 4h24
